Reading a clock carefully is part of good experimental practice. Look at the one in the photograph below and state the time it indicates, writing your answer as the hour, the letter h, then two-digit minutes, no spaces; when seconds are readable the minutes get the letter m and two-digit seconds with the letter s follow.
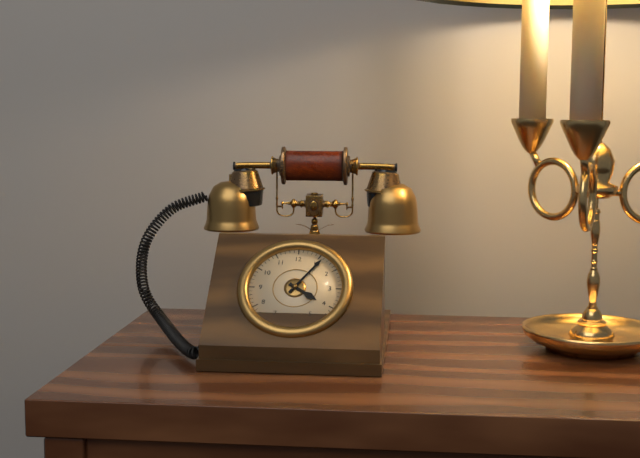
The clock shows 4h06
